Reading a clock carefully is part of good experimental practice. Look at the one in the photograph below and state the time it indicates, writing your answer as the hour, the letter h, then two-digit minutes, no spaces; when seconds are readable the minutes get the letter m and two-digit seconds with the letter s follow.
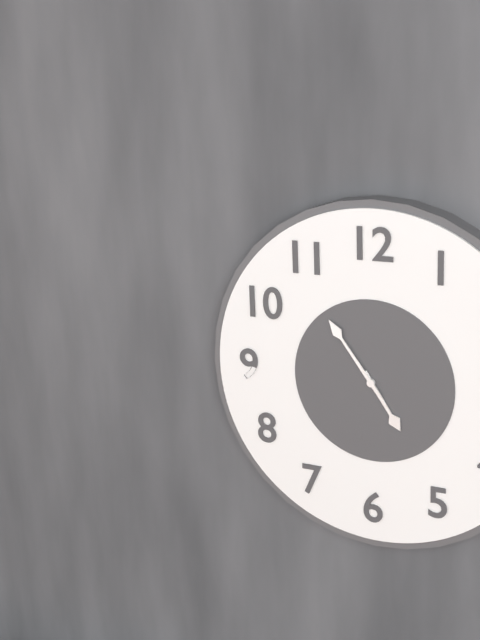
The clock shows 4h54
